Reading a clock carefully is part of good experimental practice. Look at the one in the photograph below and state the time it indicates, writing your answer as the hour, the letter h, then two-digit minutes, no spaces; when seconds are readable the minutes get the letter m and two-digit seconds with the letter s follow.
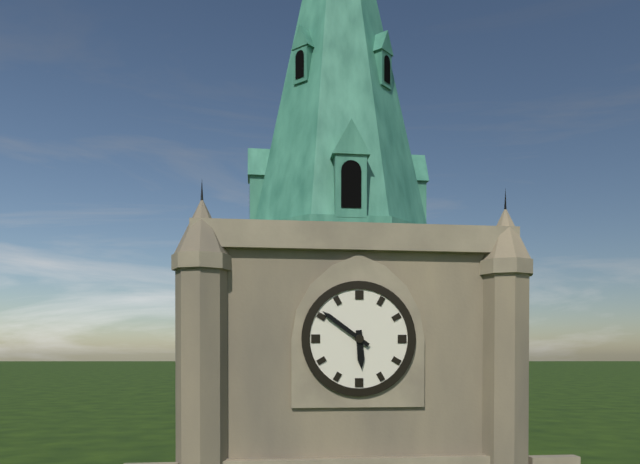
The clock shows 5h51
